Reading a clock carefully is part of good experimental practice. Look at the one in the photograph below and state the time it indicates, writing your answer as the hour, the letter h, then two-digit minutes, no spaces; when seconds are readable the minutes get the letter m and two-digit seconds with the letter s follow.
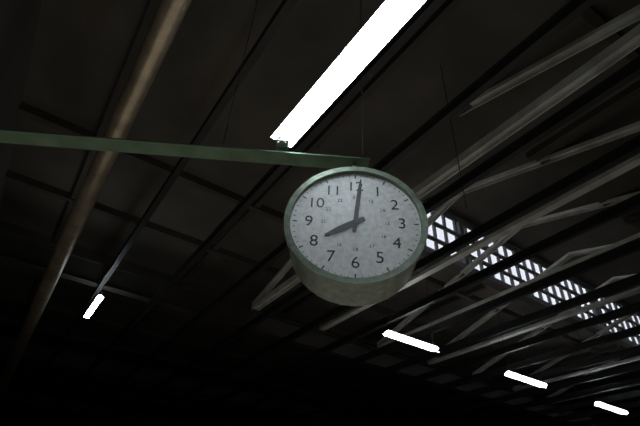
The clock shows 8h01
